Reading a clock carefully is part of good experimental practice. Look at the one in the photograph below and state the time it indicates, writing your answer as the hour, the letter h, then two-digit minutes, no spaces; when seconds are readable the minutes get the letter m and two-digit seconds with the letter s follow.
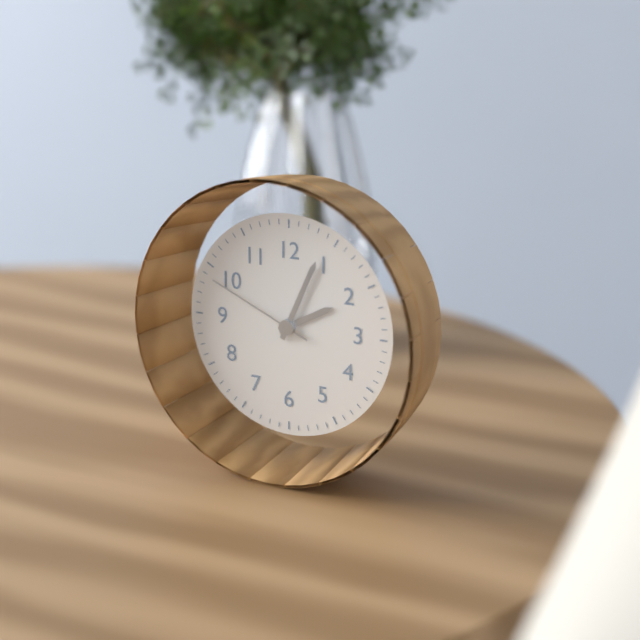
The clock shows 2h04m49s
